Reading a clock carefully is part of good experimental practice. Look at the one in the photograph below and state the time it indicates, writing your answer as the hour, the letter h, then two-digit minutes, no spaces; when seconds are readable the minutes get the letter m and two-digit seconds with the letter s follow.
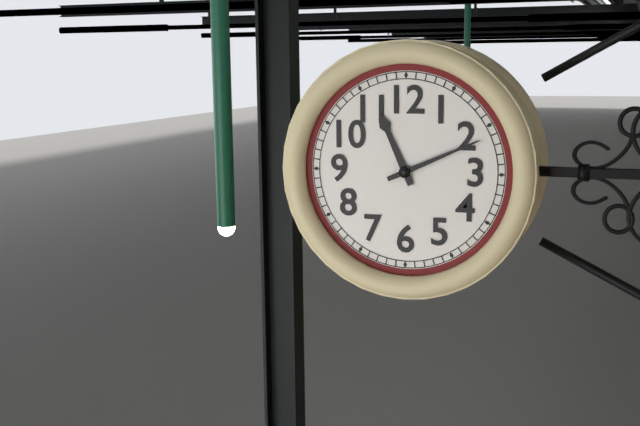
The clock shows 11h11
